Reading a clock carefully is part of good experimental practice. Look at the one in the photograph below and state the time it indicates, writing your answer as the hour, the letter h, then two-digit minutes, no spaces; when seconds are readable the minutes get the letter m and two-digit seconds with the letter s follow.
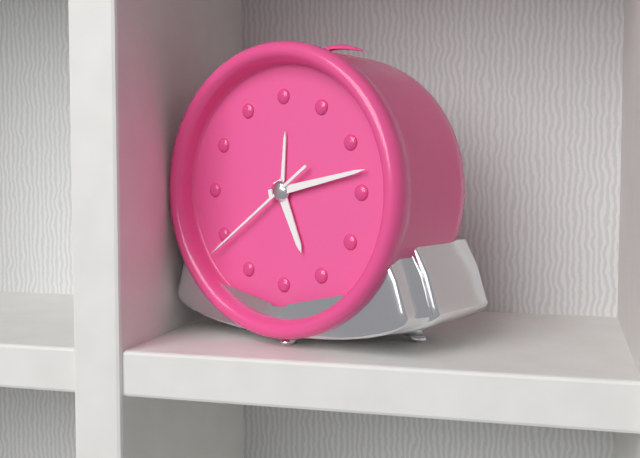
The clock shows 5h13m39s
